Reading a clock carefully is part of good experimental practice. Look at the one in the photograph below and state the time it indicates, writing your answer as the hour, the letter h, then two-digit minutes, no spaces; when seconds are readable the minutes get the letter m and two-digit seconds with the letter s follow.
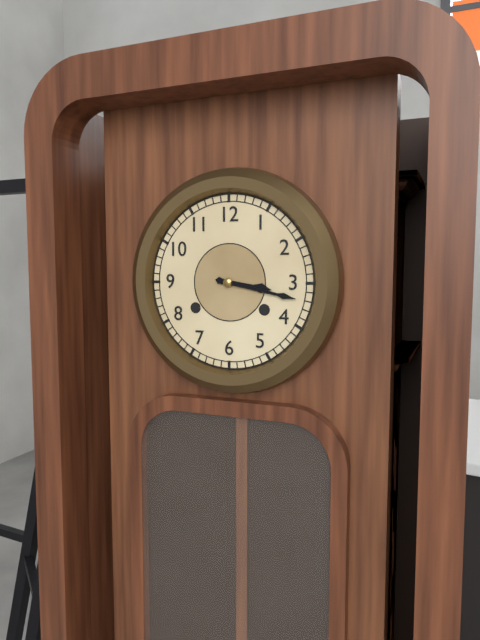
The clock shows 3h17
